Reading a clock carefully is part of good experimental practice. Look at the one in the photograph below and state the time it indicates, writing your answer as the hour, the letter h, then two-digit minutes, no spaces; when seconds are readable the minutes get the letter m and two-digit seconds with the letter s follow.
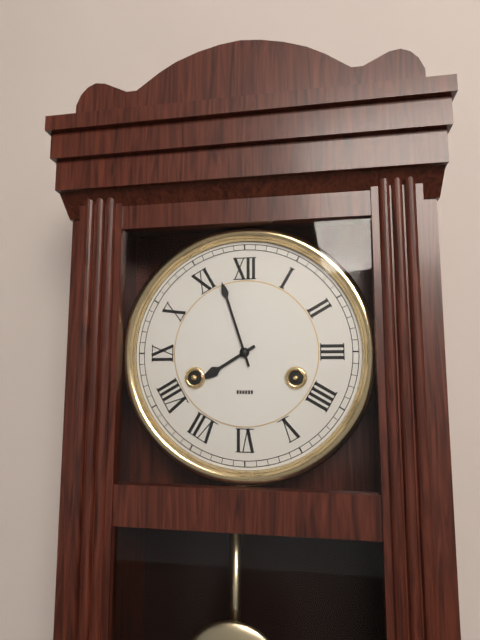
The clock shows 7h57
